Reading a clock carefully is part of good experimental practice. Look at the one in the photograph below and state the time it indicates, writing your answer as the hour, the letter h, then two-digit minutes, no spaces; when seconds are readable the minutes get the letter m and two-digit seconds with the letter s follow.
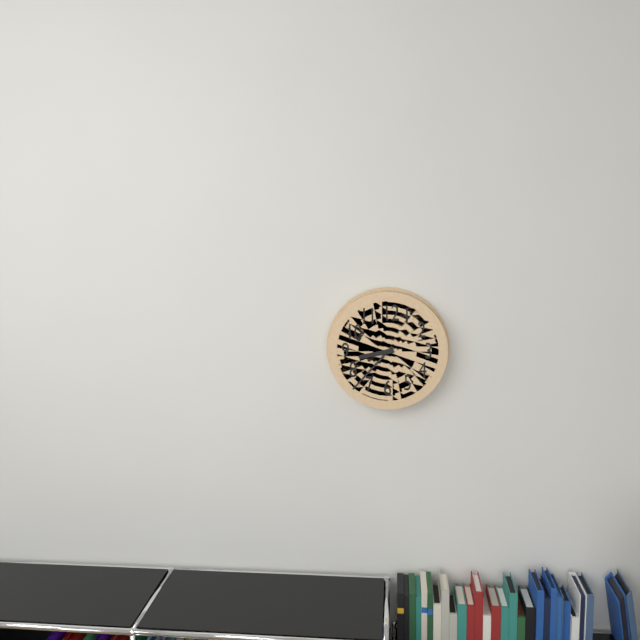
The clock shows 8h37
